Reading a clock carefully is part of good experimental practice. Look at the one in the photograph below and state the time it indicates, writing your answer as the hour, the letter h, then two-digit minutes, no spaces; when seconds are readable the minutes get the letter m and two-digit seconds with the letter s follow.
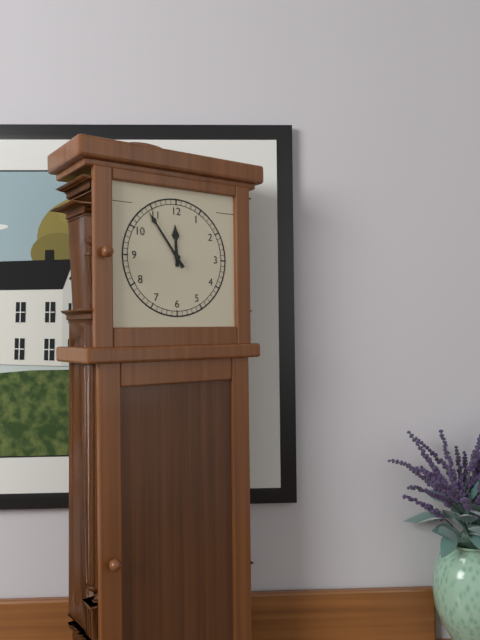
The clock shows 11h54
